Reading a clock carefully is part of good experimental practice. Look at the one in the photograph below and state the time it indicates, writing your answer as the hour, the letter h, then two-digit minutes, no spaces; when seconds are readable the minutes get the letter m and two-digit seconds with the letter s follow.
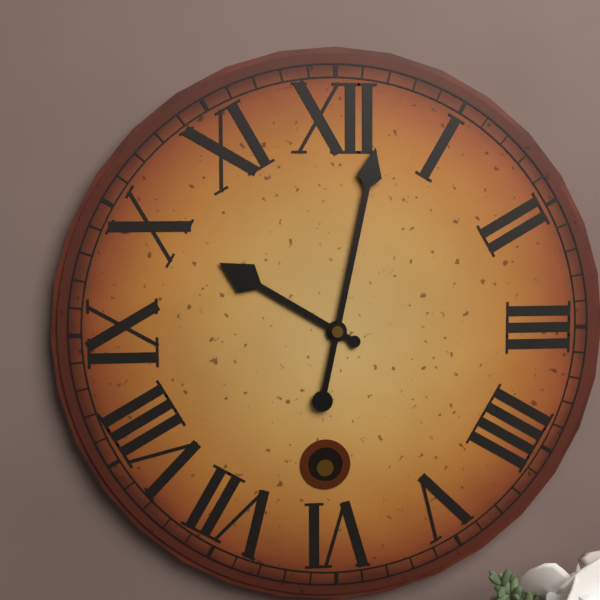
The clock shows 10h02
